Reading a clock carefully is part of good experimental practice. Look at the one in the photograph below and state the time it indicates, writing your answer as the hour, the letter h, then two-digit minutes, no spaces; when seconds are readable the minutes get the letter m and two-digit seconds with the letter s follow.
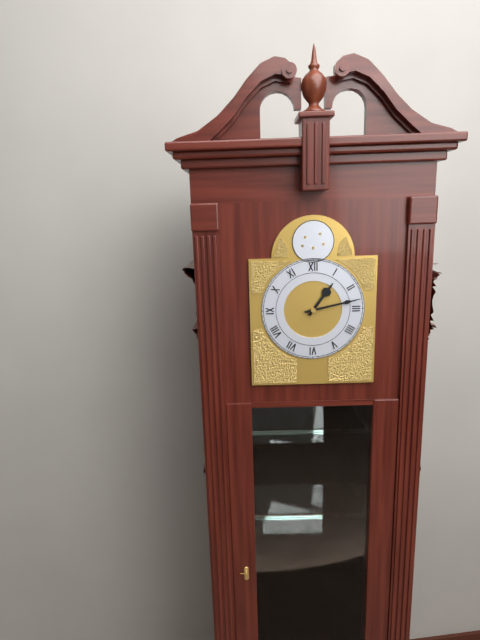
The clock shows 1h13
